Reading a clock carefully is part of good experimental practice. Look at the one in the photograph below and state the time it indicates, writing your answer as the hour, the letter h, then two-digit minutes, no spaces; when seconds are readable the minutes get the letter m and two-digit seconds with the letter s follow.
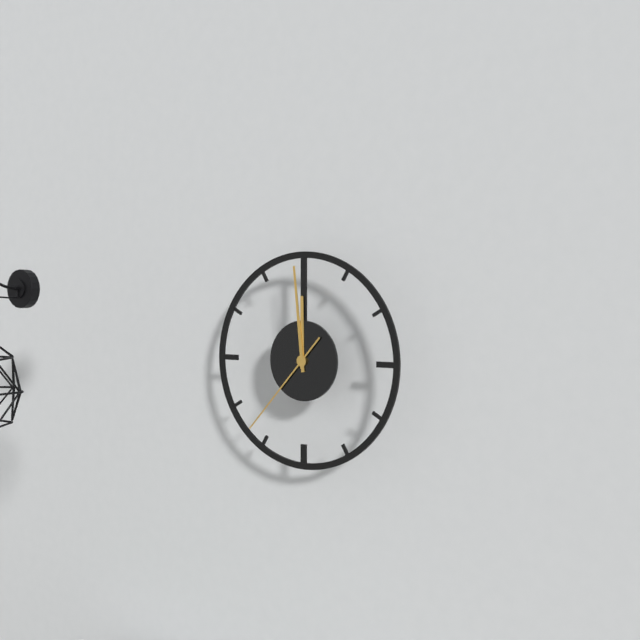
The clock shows 11h59m37s
